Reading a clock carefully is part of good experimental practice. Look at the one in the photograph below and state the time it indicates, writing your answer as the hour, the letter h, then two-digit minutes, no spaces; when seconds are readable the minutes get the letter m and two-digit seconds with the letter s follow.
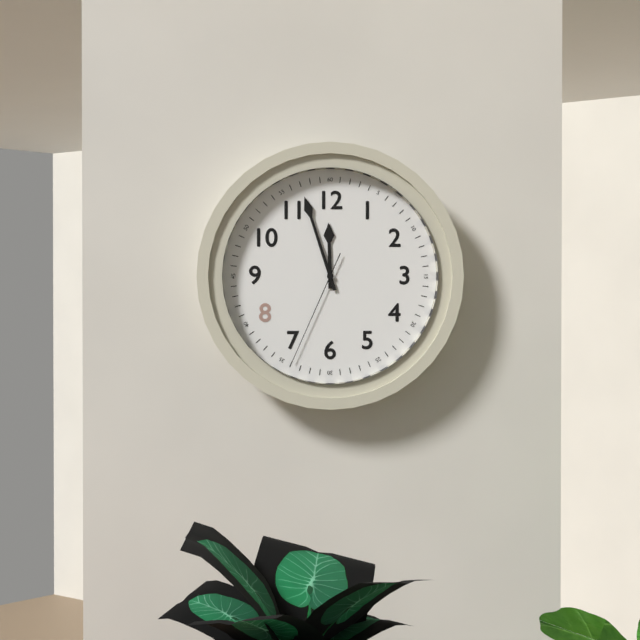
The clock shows 11h57m34s
